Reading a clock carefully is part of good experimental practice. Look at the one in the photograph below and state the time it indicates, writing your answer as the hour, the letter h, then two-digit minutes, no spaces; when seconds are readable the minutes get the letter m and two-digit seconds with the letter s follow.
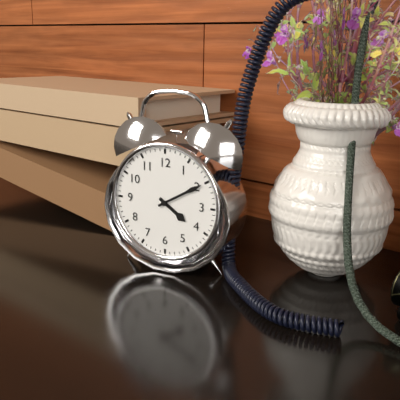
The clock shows 4h10
